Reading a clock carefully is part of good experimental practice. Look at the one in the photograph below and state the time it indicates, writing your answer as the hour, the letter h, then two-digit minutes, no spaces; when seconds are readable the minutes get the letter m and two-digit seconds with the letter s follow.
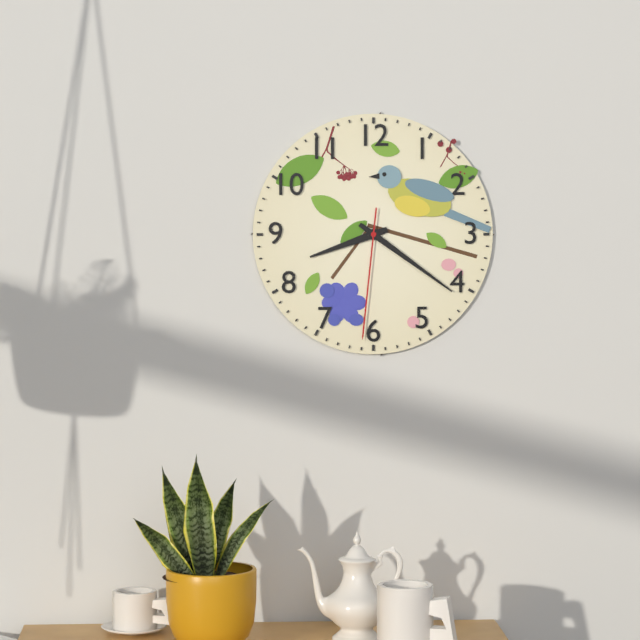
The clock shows 8h21m31s
